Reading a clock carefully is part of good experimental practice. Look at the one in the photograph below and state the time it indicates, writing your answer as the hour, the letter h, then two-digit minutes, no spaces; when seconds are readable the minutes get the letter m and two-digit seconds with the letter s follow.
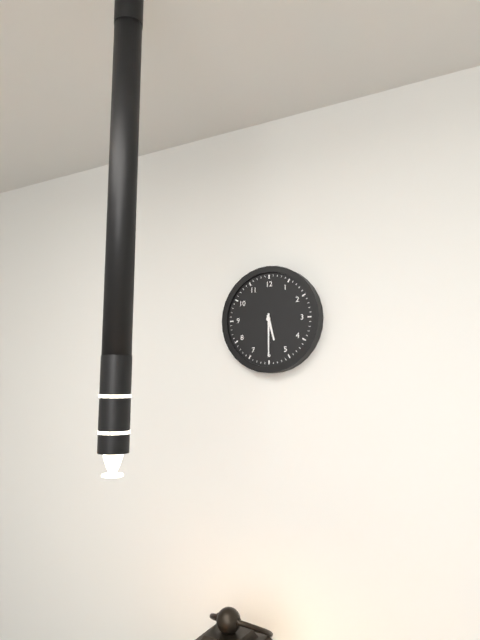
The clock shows 5h30
